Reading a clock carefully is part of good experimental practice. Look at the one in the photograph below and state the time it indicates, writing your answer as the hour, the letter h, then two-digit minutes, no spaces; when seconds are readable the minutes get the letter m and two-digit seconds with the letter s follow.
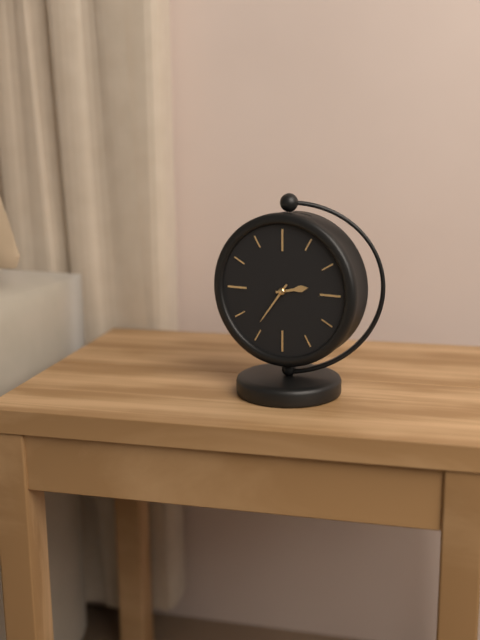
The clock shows 2h36
